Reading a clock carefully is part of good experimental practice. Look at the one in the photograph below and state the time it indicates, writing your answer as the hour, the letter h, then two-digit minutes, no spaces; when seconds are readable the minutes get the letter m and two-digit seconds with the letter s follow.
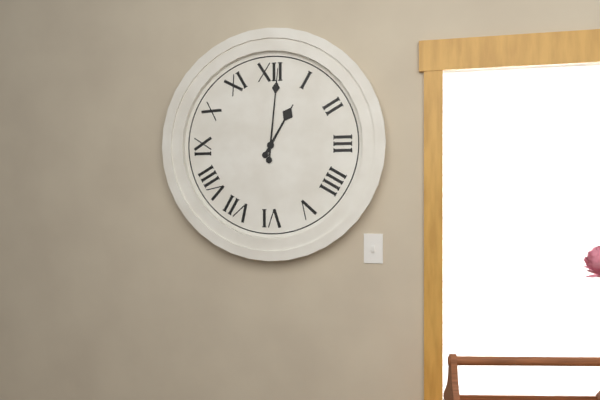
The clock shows 1h01
